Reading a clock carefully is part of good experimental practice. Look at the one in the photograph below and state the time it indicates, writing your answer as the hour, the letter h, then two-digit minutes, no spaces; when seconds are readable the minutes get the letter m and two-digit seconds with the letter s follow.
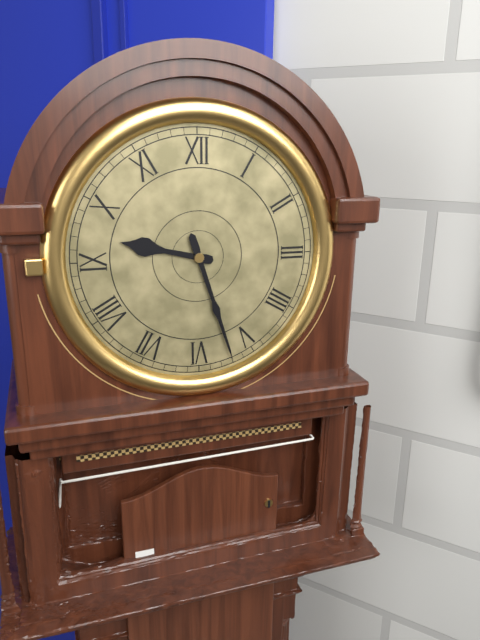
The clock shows 9h27
